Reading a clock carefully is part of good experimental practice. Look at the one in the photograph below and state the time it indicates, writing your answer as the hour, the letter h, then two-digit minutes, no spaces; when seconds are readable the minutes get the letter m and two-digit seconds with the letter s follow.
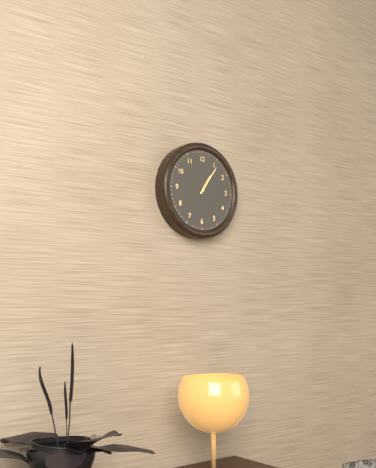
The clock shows 1h06
